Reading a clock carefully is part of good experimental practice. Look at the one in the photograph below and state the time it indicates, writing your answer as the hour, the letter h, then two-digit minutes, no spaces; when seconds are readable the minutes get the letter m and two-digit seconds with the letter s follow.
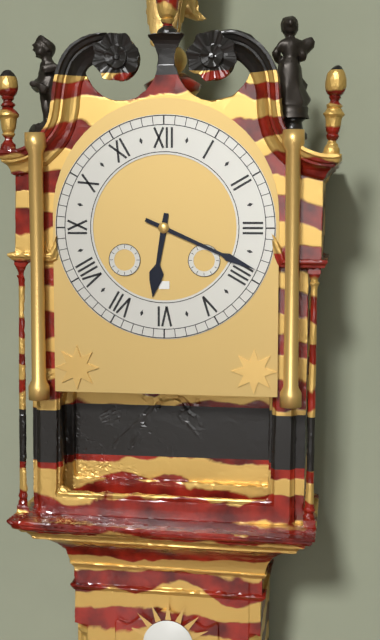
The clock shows 6h19
